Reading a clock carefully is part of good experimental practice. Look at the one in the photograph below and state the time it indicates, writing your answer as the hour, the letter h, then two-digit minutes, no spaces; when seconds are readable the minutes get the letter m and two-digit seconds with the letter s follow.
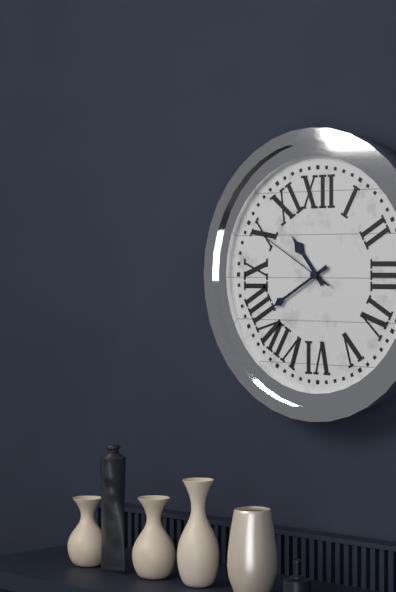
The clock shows 10h40m50s
